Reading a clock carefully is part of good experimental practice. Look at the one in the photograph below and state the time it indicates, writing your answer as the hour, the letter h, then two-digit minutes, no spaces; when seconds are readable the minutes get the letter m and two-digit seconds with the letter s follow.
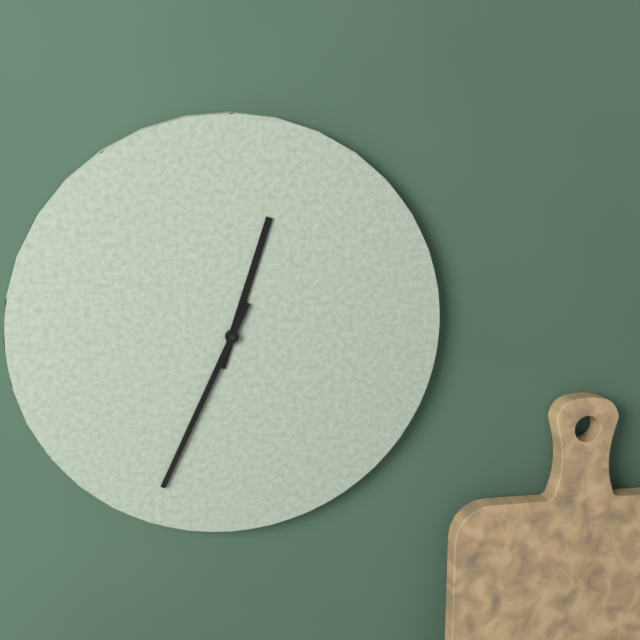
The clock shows 12h34
